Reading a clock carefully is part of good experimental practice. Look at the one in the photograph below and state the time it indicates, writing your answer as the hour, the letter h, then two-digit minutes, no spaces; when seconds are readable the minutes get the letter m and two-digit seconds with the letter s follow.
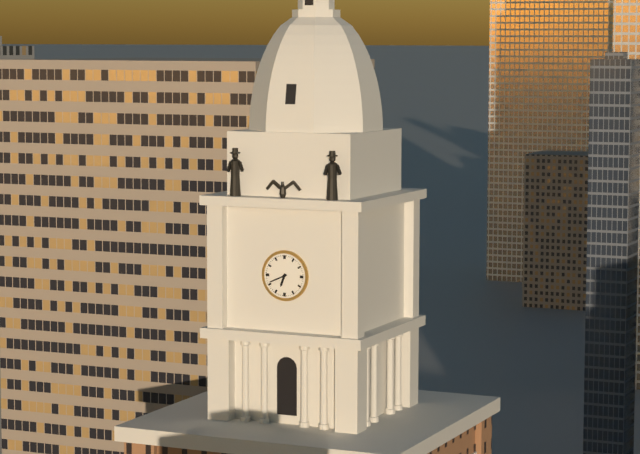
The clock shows 6h41
